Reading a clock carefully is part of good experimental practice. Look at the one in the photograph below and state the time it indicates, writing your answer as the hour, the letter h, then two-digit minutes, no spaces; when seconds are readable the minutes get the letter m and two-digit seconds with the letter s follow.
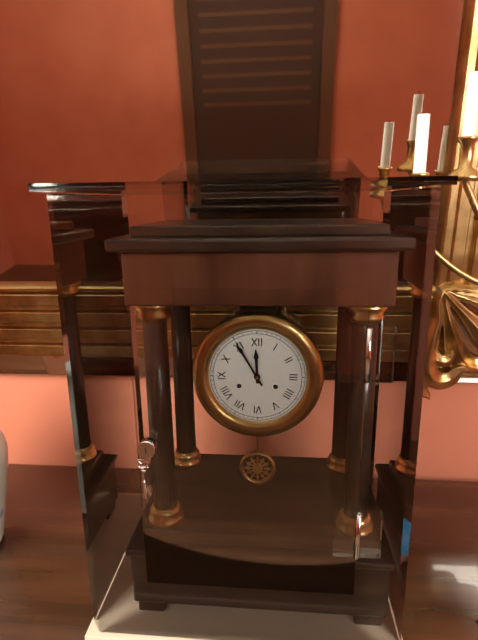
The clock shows 11h55
